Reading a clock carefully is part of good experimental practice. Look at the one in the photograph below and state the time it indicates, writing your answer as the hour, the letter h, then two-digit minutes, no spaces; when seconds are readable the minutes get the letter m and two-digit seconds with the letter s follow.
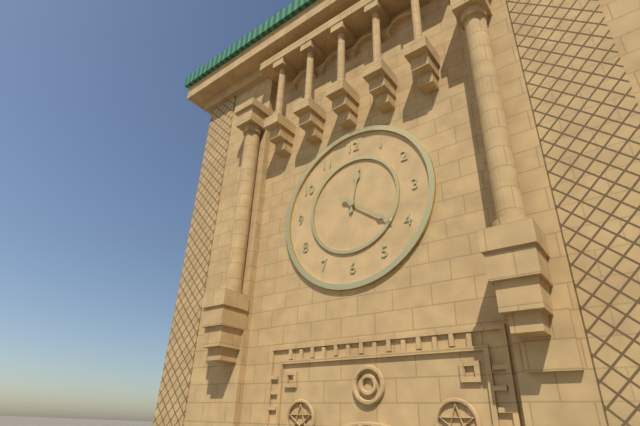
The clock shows 12h21
